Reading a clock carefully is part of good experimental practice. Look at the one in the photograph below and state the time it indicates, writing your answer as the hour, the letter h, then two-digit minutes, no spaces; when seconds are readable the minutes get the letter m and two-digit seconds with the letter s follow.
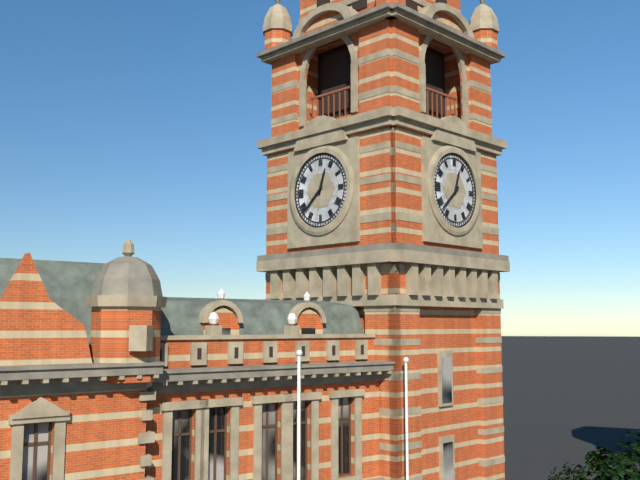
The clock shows 12h38
